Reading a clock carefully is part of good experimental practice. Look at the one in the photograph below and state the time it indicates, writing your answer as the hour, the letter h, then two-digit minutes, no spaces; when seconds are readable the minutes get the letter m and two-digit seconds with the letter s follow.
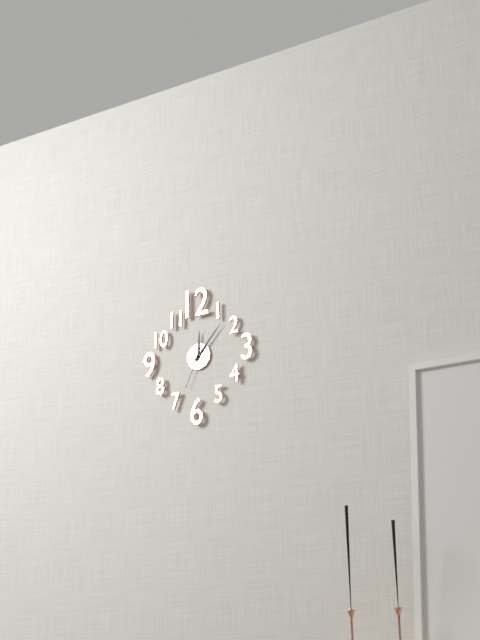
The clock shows 12h07
